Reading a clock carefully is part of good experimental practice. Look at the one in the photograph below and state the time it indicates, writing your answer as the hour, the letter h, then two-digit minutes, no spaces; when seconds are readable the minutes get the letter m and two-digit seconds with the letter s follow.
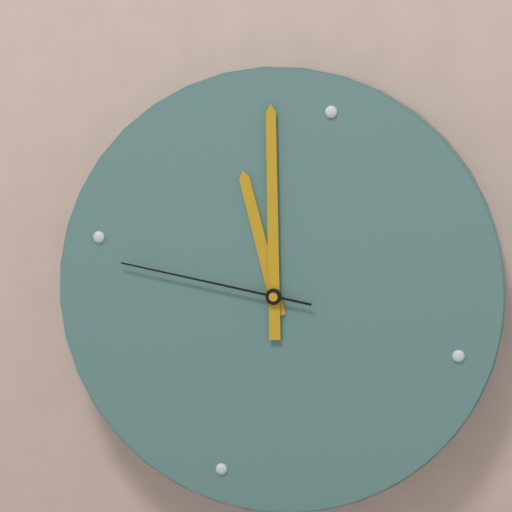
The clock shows 10h57m44s
